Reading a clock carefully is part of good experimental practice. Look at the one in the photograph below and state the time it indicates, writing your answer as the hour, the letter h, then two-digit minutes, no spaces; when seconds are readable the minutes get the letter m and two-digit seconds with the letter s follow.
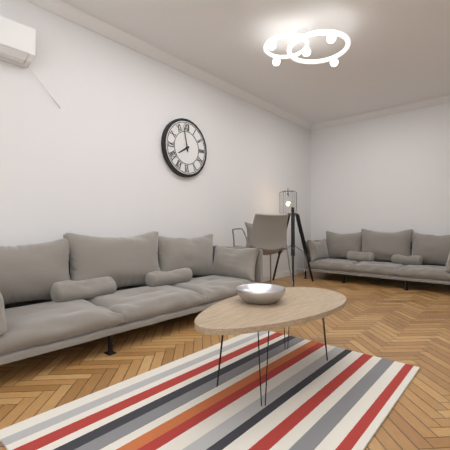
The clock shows 7h58
